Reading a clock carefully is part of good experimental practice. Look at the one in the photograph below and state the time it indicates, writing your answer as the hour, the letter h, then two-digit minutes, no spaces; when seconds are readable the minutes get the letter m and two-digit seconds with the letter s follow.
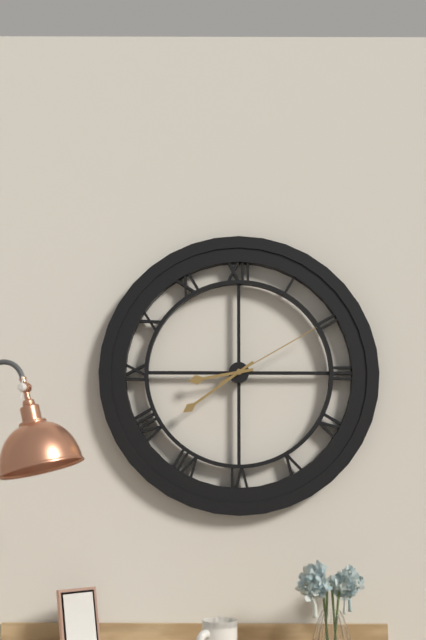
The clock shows 8h39m10s
